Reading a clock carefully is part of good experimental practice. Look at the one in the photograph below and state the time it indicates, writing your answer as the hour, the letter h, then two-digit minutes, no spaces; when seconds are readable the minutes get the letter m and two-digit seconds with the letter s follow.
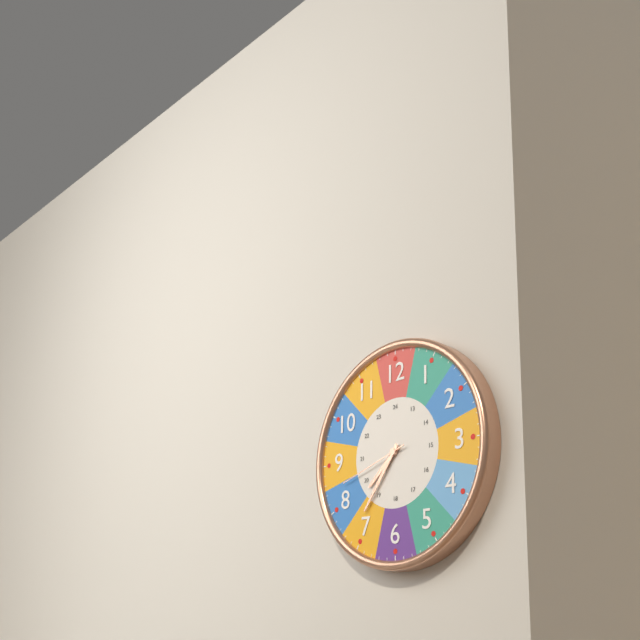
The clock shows 7h36m42s
